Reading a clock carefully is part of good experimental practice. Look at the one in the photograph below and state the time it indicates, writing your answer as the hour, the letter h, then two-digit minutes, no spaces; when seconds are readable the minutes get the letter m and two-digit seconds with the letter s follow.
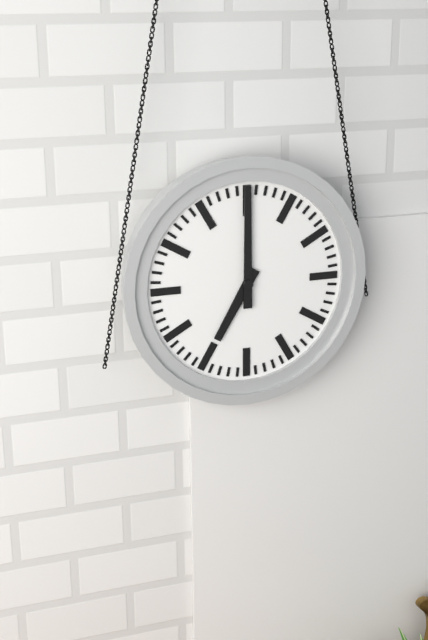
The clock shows 7h00
